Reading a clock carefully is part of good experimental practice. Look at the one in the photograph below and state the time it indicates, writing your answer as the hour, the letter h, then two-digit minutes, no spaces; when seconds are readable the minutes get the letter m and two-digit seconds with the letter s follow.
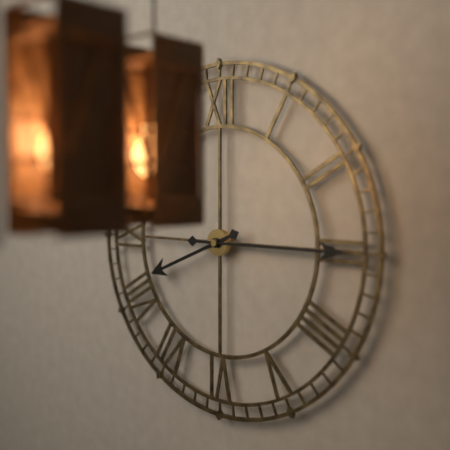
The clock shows 8h15
